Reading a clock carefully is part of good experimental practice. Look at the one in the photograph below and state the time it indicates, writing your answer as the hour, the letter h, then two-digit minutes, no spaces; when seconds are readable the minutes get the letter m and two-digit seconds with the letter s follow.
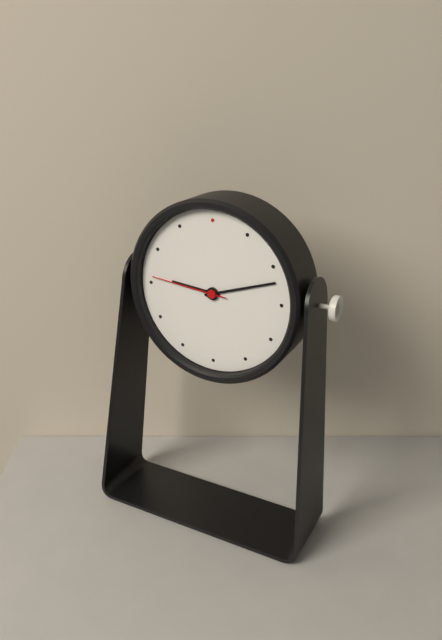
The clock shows 9h12m46s
